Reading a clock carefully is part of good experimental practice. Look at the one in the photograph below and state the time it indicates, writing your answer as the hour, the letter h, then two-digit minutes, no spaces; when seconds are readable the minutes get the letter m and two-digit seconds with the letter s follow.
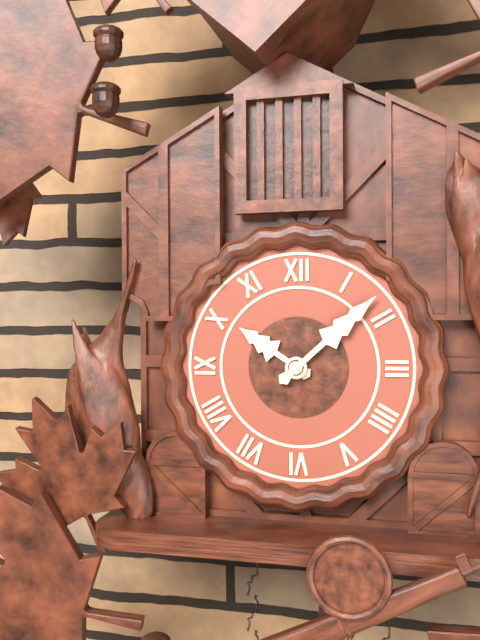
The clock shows 10h08
